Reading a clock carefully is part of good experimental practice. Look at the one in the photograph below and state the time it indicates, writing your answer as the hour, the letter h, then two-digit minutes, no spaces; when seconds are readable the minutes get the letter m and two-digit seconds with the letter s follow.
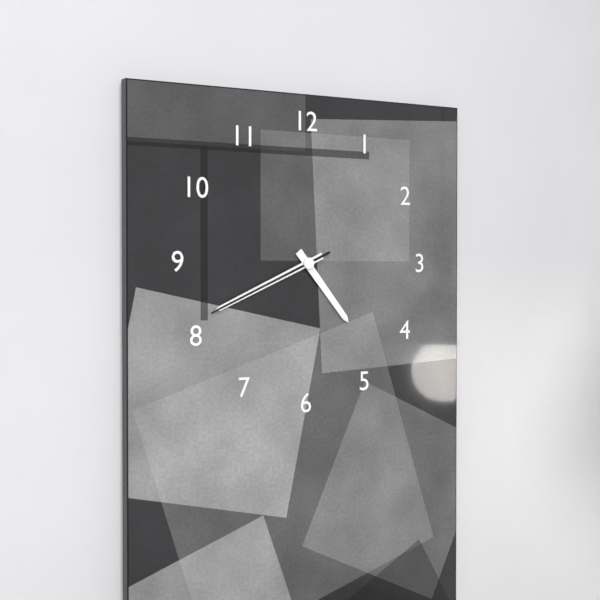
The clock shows 4h41m41s
